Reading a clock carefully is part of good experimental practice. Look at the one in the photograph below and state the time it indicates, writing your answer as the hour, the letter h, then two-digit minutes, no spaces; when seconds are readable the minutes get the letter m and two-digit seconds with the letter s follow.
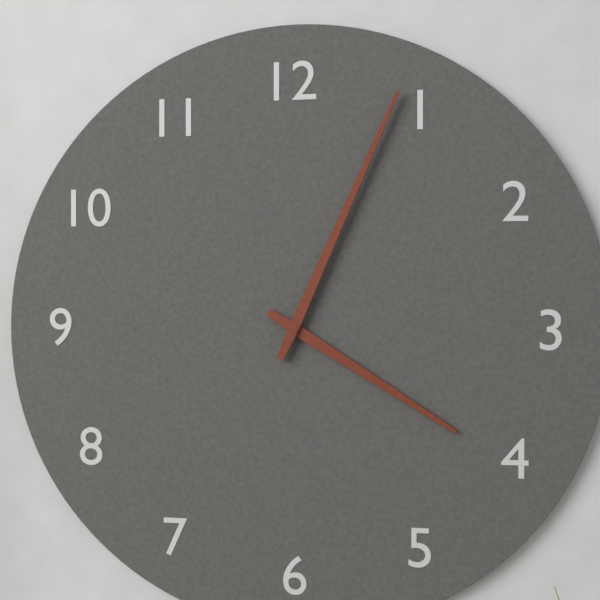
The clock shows 4h04
